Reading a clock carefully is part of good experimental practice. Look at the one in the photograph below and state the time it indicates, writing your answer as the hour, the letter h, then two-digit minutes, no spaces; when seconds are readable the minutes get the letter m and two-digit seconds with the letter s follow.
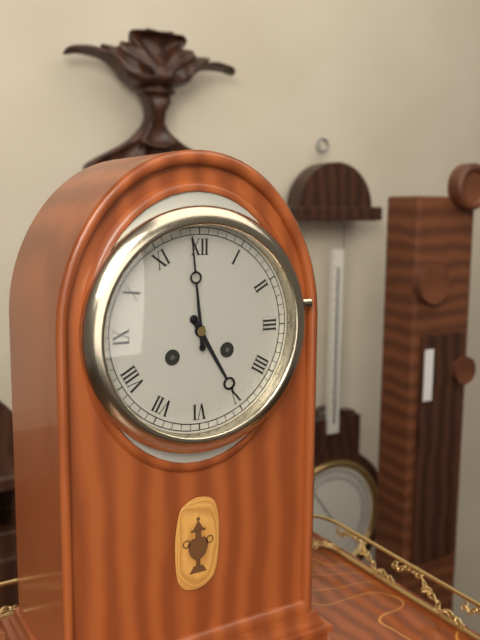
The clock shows 4h59
